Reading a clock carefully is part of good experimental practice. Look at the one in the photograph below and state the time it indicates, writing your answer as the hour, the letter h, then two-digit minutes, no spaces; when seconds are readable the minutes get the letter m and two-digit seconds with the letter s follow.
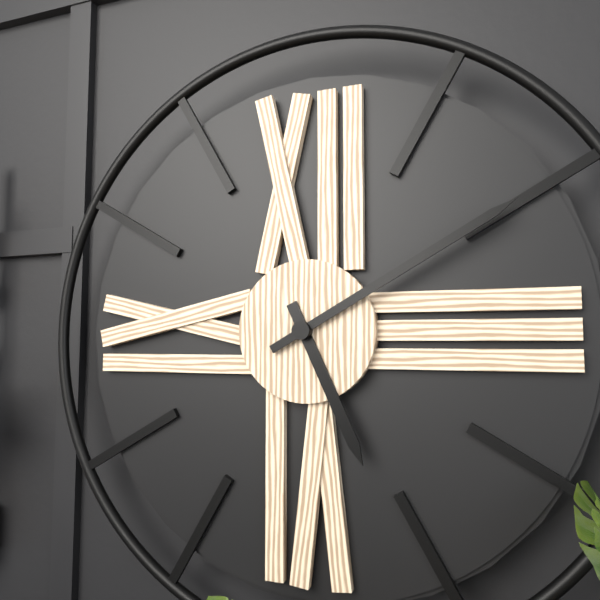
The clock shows 5h10
